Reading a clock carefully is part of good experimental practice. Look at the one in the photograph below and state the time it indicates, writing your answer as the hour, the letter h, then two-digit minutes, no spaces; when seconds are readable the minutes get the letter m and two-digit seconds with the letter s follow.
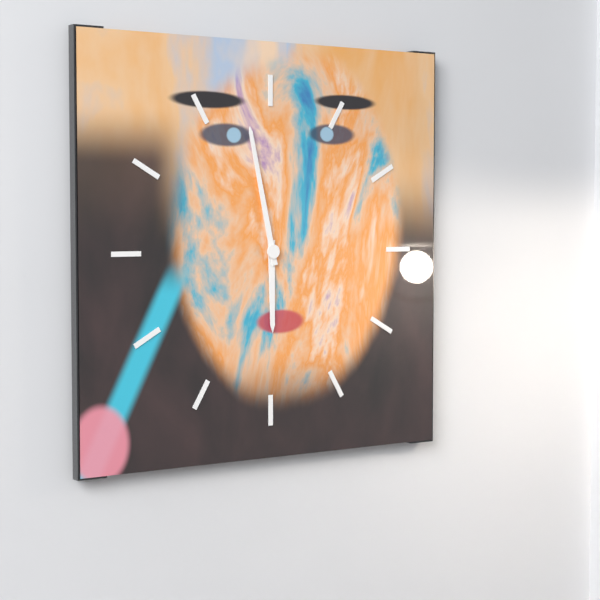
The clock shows 5h58
